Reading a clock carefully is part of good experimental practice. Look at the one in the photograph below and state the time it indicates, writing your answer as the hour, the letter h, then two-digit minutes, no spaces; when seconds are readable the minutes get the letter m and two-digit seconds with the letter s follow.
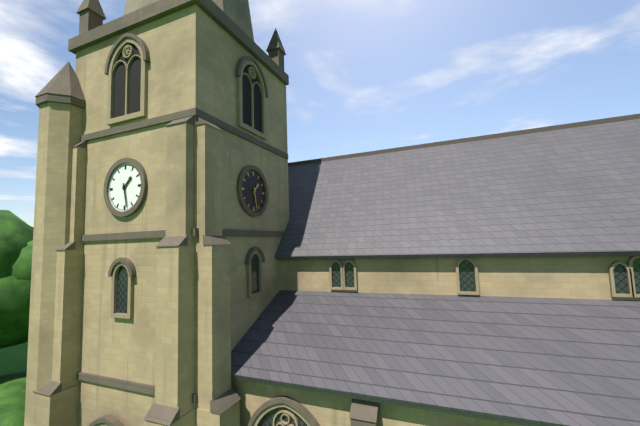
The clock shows 1h28
